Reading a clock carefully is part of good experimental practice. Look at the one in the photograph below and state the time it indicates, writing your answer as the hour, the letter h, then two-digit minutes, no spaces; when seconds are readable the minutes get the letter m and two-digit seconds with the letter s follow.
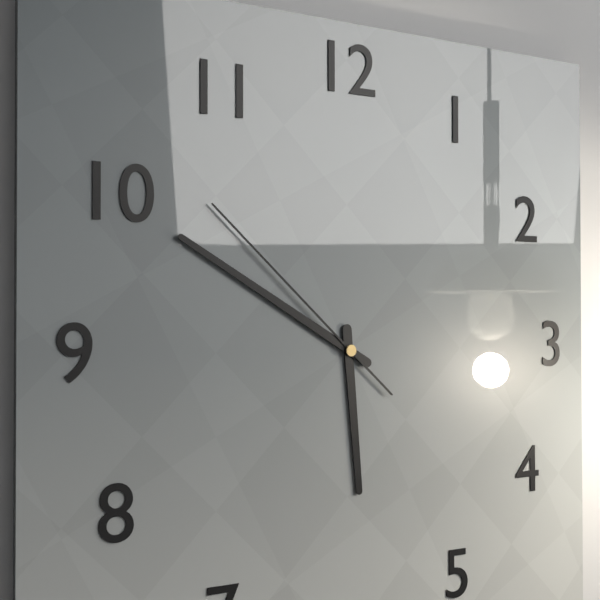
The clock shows 5h50m52s
